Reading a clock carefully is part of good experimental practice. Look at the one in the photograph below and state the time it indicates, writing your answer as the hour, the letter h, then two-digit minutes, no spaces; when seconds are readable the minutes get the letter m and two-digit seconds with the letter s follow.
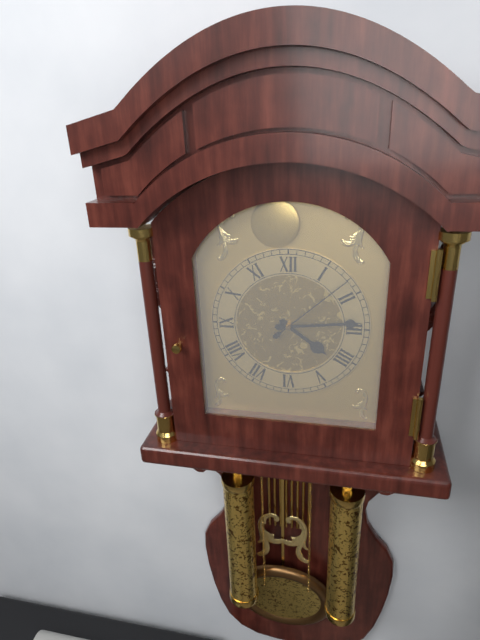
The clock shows 4h14m08s
